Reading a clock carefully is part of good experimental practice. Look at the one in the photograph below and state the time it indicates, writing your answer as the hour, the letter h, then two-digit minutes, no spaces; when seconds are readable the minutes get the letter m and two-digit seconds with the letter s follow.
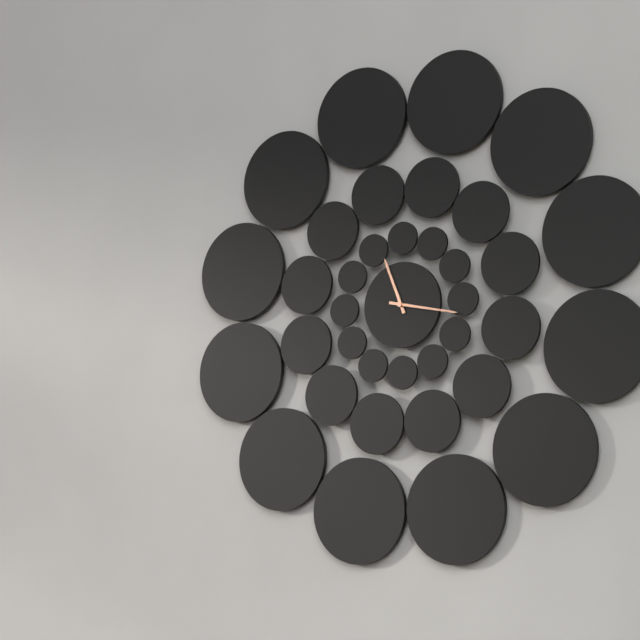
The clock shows 11h17
